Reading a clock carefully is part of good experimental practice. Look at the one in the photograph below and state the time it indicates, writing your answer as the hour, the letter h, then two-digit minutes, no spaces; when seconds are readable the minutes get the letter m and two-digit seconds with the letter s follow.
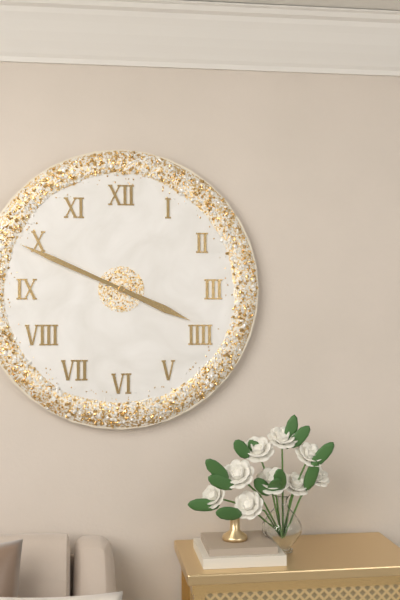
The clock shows 3h49
